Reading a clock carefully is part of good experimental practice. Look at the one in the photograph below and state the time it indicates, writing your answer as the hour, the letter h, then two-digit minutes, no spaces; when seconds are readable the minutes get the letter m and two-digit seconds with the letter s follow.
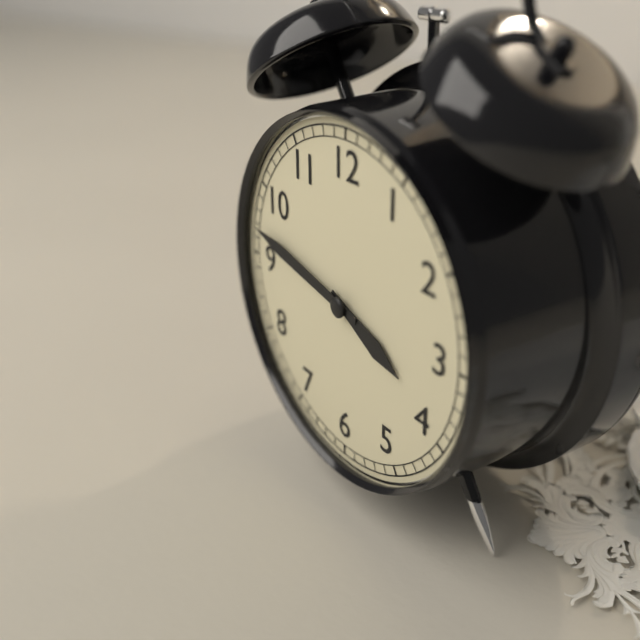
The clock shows 3h47
